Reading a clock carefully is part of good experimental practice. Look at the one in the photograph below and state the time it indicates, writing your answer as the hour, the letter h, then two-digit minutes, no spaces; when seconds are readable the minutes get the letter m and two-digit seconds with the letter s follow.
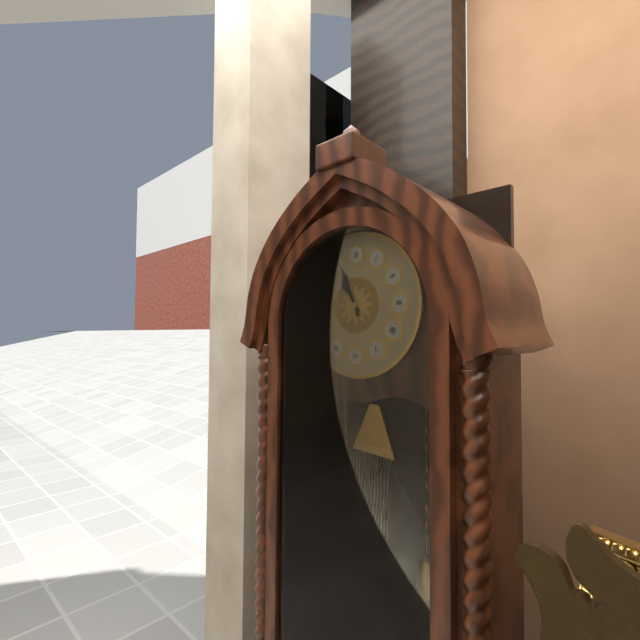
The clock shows 10h56
